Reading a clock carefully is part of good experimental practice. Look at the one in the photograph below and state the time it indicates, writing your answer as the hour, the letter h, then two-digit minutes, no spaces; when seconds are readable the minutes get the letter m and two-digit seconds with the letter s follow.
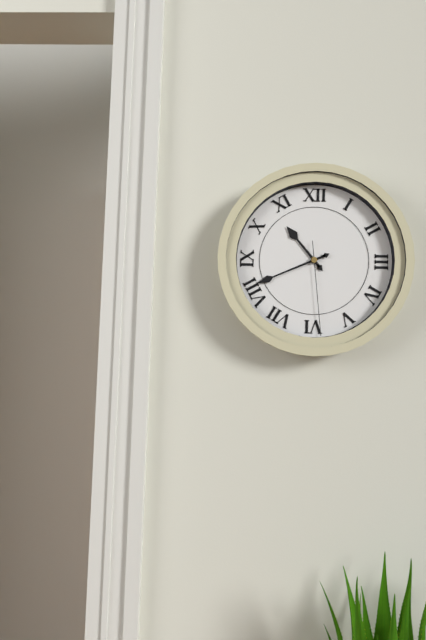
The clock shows 10h41m29s
